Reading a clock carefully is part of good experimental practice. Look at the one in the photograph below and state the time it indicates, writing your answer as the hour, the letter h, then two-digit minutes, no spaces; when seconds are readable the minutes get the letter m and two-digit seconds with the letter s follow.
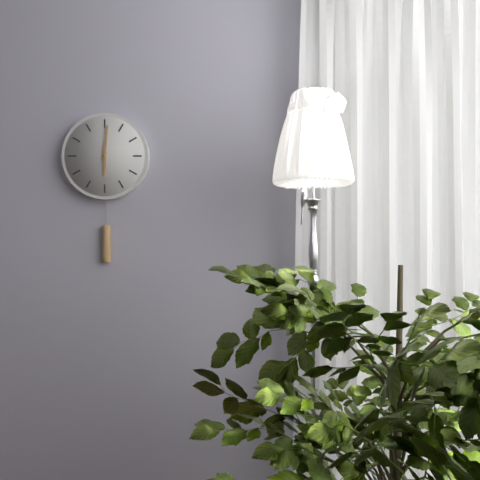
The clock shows 6h01
